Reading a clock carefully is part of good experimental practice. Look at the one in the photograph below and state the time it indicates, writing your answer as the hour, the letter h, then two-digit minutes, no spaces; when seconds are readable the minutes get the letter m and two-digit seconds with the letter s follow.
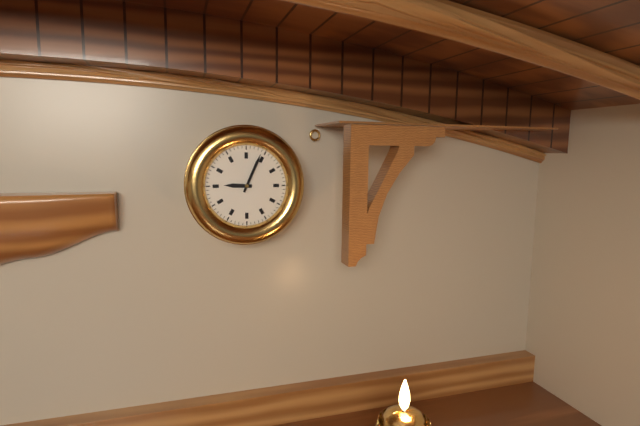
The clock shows 9h04
